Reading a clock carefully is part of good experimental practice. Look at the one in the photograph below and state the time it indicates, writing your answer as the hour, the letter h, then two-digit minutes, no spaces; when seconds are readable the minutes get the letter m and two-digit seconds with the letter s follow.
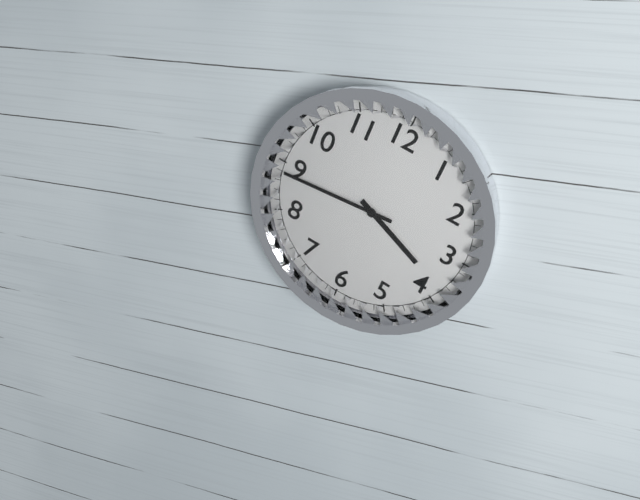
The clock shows 3h44
